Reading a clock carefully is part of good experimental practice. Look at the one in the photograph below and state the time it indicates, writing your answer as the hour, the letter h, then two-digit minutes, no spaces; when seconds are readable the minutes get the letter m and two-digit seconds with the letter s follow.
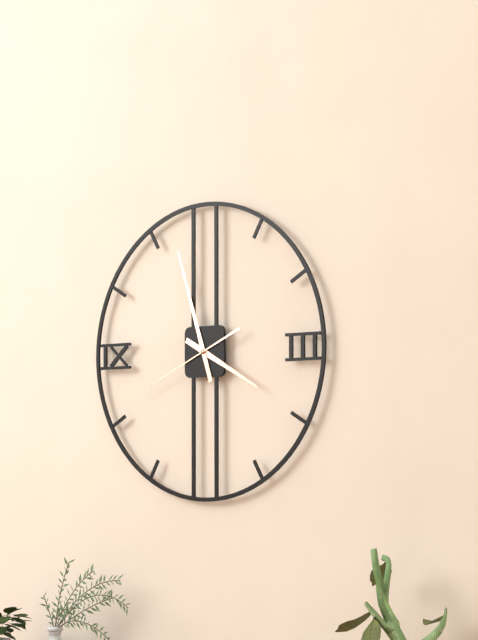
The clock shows 3h57m41s
